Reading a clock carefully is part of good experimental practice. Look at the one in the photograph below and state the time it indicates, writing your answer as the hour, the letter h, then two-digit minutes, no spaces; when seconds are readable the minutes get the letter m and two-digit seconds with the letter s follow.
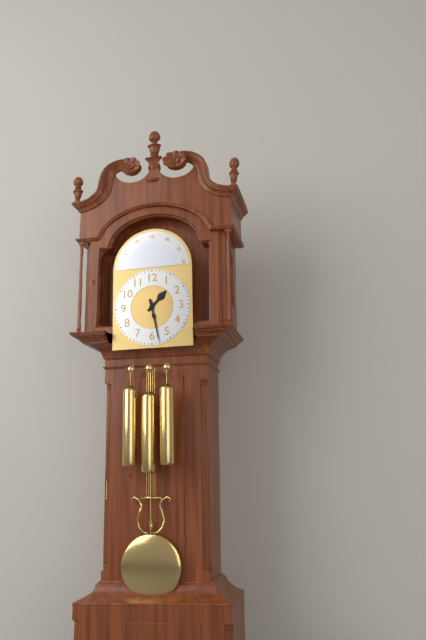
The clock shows 1h28
